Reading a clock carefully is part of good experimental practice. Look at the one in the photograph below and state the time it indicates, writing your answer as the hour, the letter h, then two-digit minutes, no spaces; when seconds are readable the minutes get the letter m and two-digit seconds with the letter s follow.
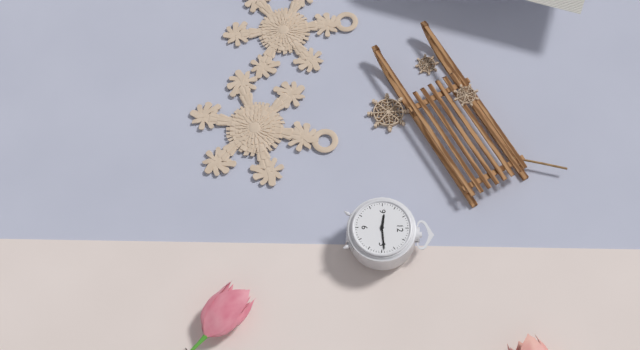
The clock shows 9h14
